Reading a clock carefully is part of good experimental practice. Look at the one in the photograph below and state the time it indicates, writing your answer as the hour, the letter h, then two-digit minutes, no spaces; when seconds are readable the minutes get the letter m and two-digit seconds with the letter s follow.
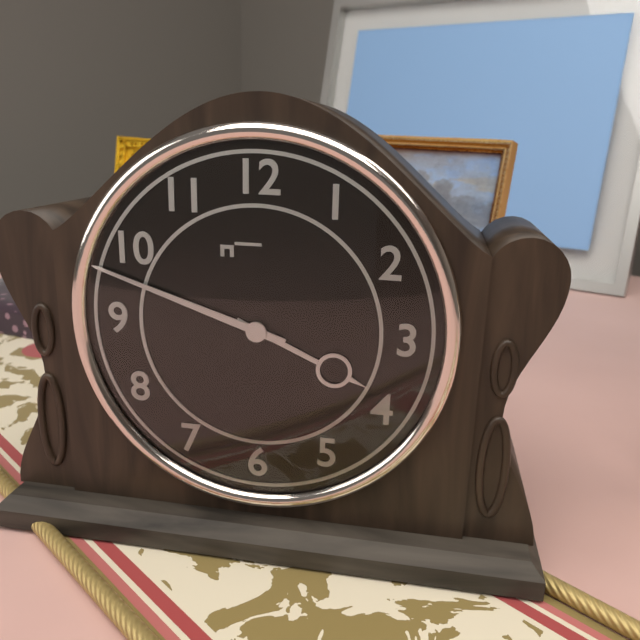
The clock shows 3h48
